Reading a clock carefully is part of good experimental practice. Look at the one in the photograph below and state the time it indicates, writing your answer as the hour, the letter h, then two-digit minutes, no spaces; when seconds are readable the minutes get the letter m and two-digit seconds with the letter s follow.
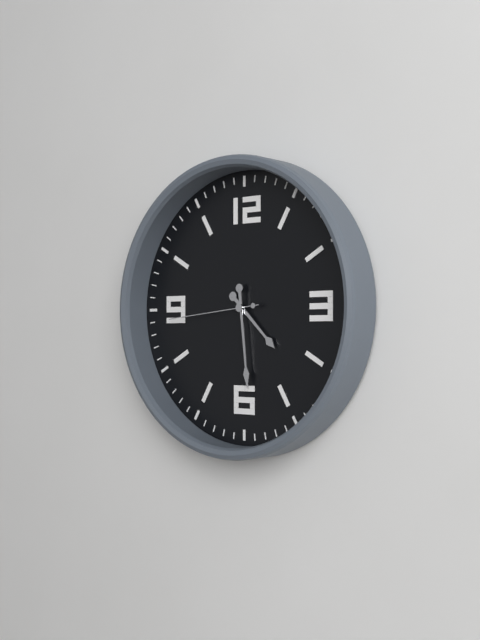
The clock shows 4h29m44s
